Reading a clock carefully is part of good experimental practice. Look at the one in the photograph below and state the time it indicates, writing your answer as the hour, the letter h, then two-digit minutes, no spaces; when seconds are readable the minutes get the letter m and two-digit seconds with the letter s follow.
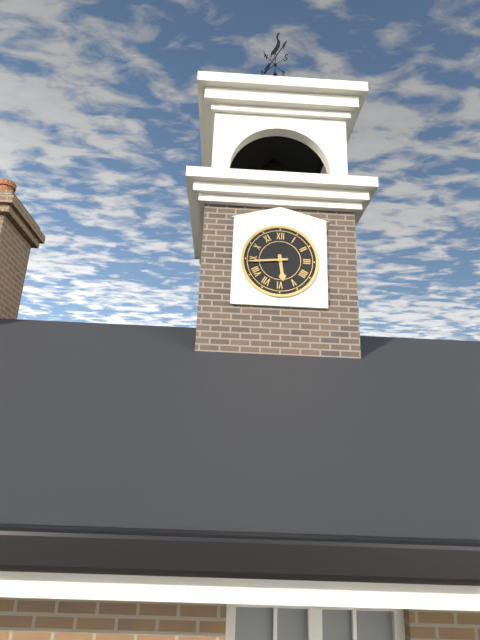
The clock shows 5h44
